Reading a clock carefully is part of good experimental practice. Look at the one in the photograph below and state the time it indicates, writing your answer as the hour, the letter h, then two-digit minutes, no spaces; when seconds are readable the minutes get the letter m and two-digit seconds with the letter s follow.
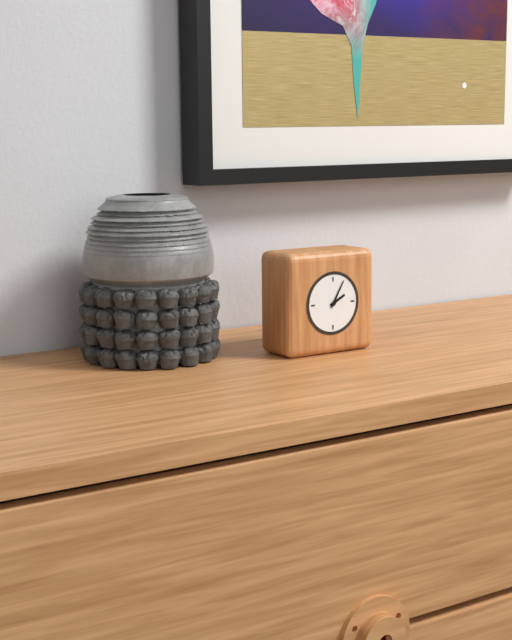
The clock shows 2h05
